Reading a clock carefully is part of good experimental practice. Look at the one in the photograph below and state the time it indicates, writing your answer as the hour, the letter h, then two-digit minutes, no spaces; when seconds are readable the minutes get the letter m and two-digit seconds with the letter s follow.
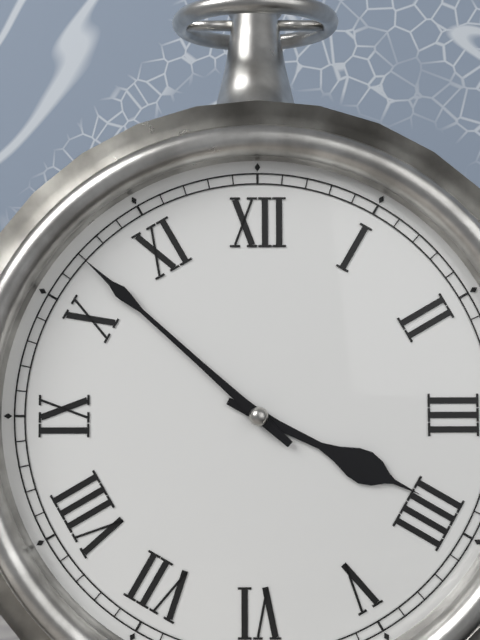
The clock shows 3h52
